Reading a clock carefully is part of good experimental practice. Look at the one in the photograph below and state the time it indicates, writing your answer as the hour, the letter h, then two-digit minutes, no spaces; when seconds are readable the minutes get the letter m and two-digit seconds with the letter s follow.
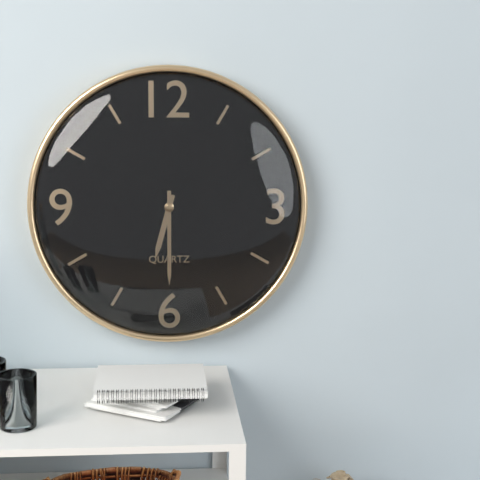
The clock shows 6h30
